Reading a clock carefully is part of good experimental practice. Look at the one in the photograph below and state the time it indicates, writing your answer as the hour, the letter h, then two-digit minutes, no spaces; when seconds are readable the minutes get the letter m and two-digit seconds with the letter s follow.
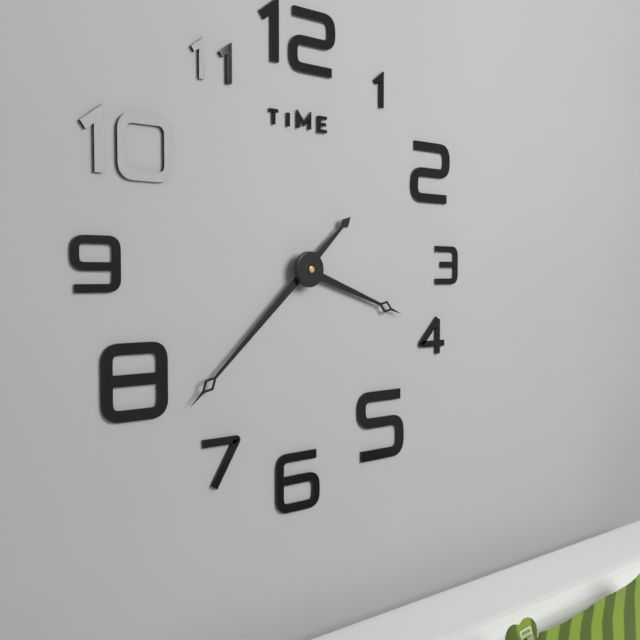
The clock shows 3h38
